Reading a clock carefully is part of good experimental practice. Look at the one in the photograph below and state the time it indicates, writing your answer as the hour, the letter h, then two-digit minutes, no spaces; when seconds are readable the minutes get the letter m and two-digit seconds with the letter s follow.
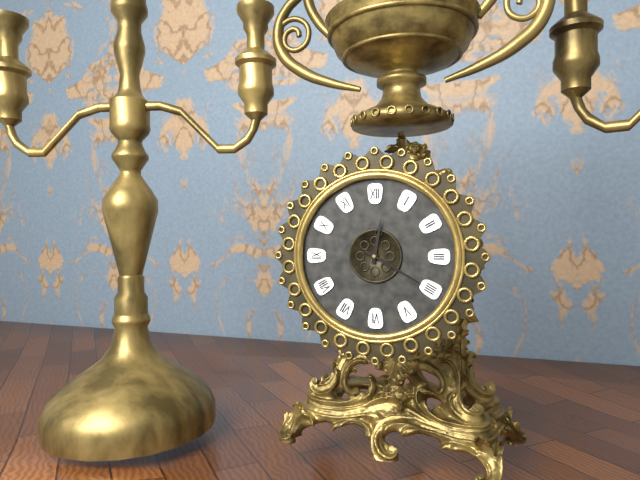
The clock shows 12h20
